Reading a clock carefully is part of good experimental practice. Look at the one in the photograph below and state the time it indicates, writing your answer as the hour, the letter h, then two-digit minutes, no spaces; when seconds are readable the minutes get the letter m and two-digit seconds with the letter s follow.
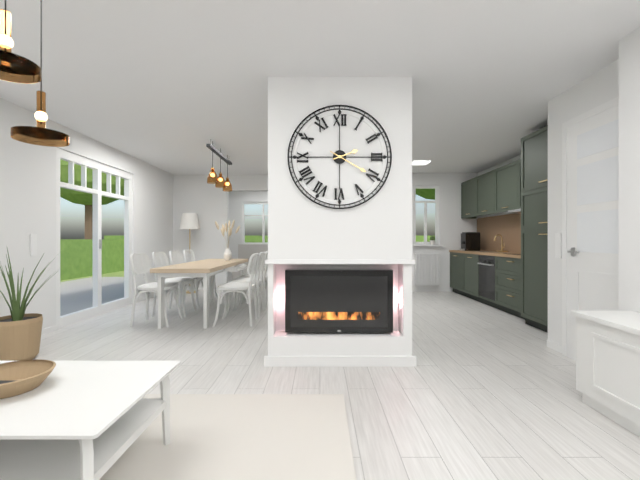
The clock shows 2h20
